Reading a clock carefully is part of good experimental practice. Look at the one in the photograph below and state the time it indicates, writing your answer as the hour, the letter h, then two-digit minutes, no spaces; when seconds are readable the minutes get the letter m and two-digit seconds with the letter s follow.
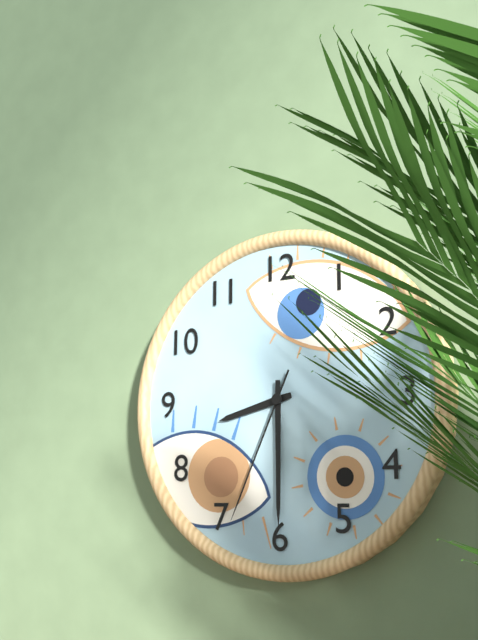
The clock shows 8h30m34s
